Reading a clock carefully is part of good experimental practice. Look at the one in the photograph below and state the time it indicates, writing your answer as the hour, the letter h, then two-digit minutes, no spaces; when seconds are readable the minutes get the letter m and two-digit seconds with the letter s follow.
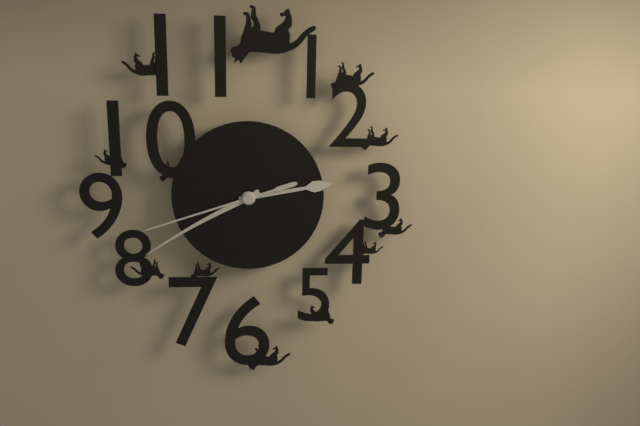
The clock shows 2h40m42s
